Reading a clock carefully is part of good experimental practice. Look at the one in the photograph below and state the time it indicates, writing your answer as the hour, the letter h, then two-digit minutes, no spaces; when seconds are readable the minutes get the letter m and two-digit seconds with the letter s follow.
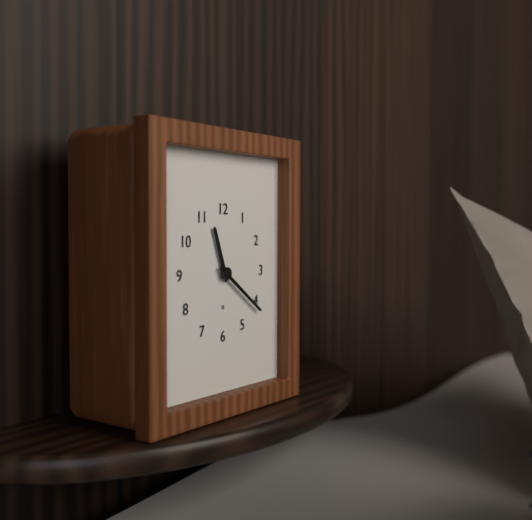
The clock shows 11h21
